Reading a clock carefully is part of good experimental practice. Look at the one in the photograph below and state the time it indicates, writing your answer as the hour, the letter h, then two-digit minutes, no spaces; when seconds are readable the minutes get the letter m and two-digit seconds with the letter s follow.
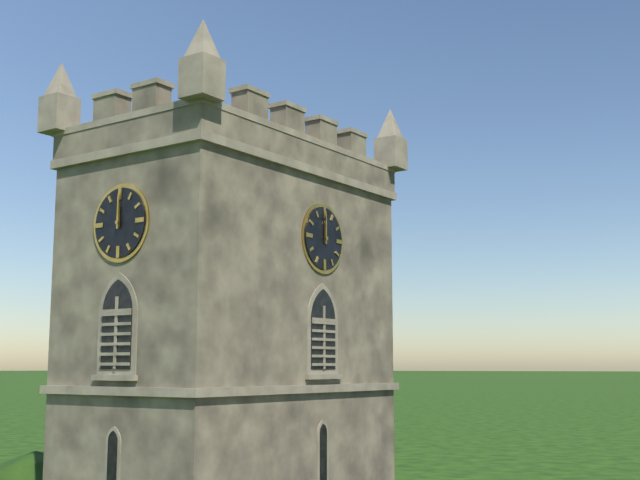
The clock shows 12h00
